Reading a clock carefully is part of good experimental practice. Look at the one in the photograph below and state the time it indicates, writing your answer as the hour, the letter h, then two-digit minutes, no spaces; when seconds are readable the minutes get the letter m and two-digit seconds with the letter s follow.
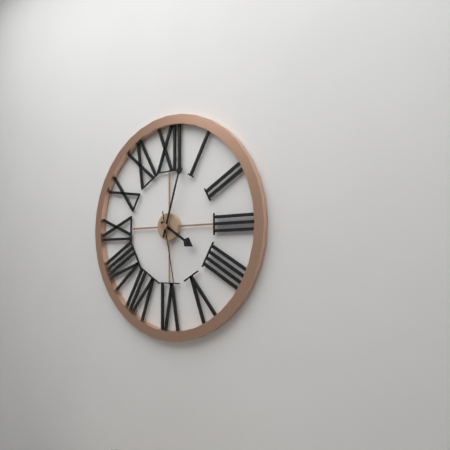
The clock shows 4h03m28s
